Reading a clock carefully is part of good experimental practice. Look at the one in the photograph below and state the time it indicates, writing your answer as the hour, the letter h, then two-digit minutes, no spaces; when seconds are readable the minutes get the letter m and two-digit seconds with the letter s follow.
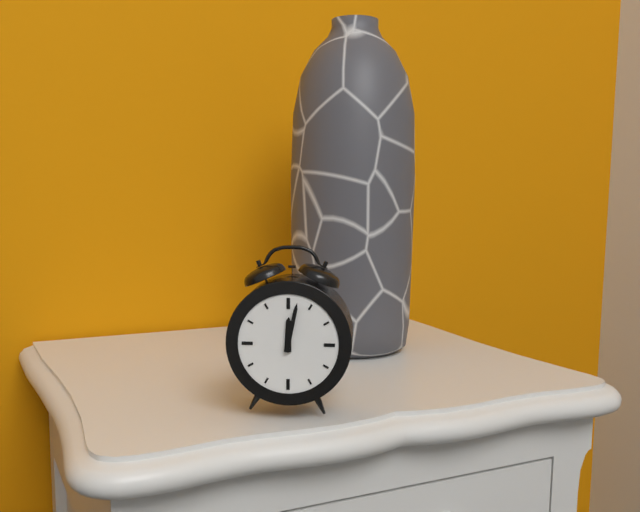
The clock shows 12h02
